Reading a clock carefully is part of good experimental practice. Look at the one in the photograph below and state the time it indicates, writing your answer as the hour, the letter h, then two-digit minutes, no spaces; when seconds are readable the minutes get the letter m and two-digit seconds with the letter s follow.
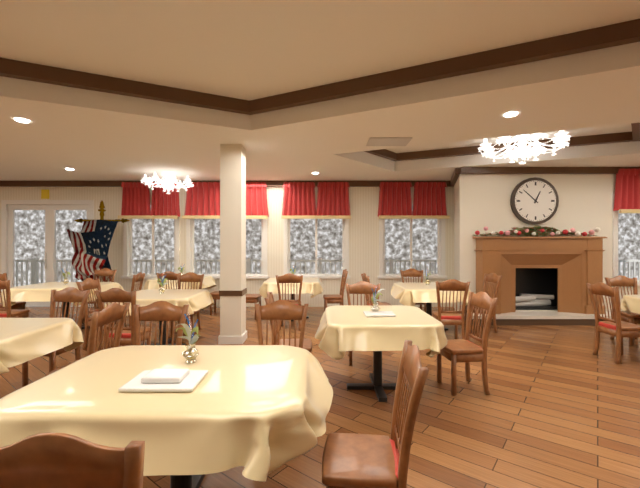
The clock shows 12h52
